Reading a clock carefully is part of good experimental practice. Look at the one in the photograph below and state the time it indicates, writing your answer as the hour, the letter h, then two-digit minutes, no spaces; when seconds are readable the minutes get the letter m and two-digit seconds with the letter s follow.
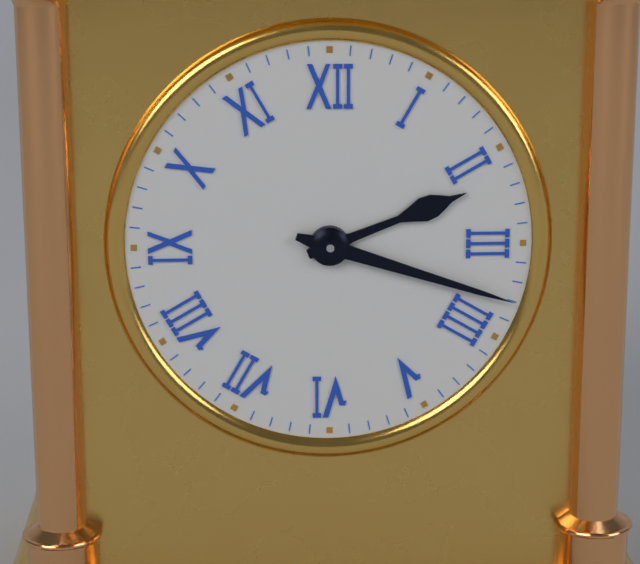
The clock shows 2h18
